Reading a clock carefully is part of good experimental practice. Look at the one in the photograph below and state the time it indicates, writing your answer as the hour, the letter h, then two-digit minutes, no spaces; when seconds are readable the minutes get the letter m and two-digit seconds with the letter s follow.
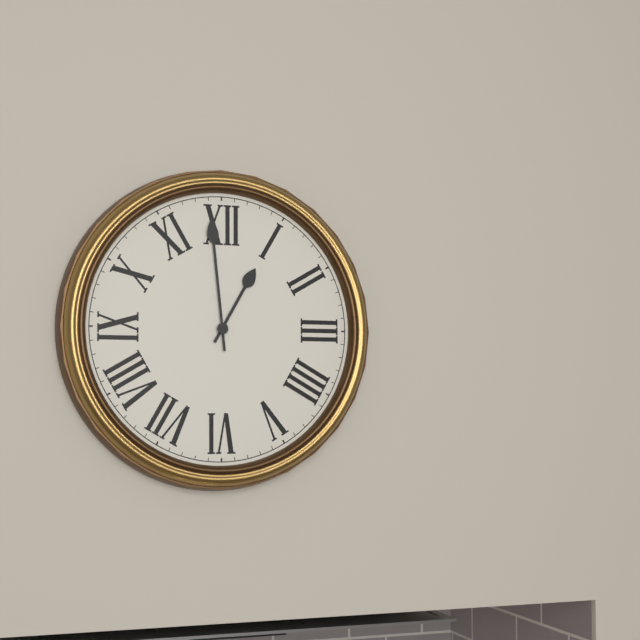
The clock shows 12h59
